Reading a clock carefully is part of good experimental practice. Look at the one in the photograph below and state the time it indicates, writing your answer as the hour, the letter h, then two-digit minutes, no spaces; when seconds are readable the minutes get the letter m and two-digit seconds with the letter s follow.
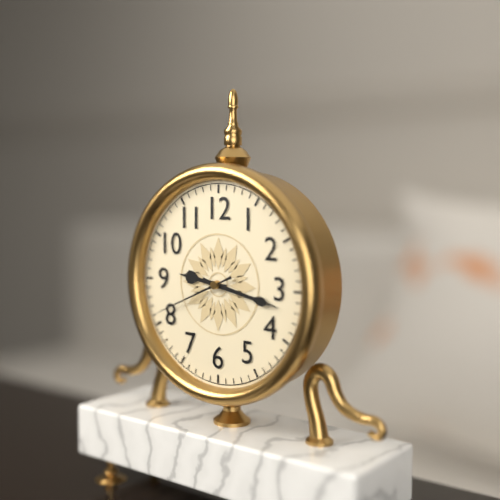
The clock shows 9h17m41s
